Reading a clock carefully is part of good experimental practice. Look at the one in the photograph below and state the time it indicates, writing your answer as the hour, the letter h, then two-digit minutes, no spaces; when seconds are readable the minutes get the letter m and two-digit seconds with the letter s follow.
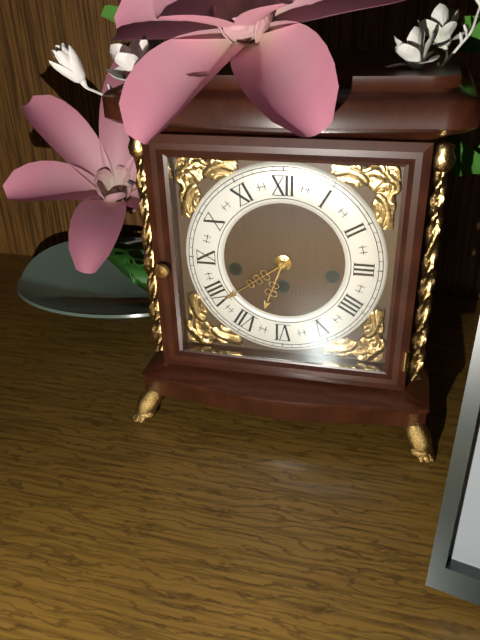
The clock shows 6h39
